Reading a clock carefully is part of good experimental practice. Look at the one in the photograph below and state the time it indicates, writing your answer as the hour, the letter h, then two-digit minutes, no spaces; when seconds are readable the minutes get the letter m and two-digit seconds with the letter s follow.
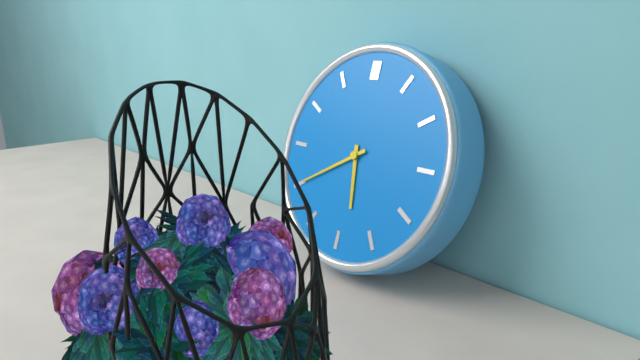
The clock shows 5h40
